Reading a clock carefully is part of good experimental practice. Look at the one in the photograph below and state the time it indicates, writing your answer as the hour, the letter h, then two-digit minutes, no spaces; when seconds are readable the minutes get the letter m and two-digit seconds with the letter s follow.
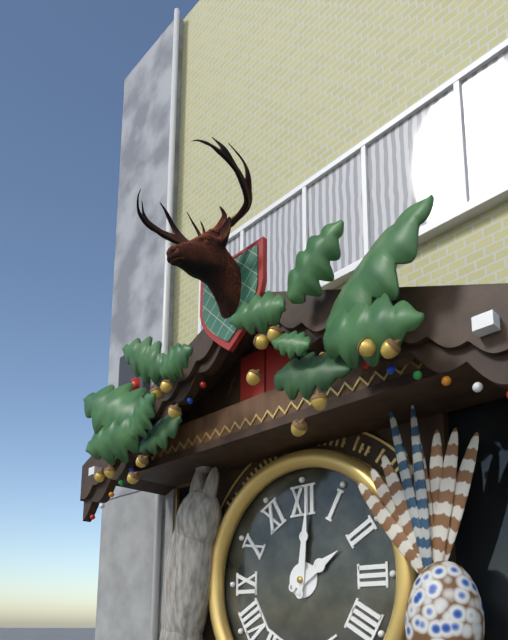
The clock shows 2h01
